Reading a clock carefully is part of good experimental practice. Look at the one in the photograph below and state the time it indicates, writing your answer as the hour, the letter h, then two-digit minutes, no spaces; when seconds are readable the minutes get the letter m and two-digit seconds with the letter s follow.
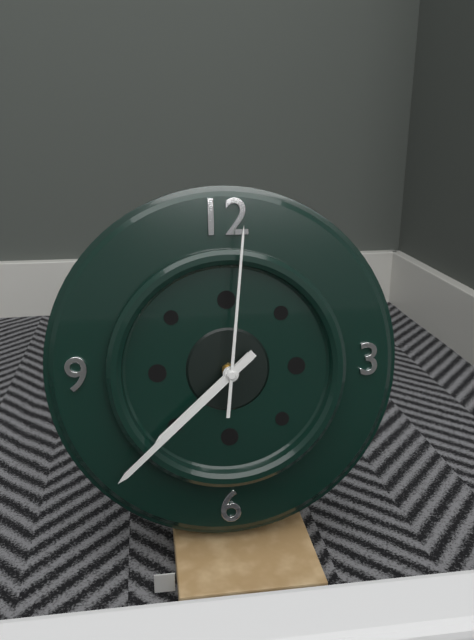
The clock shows 7h38m01s
